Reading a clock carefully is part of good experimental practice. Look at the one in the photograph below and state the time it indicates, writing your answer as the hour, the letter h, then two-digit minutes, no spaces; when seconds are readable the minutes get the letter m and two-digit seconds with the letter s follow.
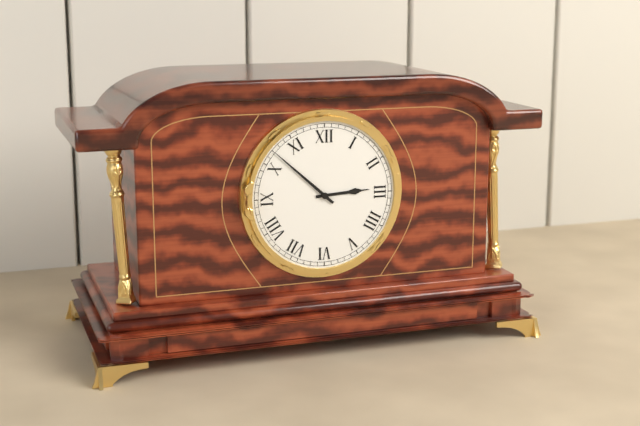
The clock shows 2h52
